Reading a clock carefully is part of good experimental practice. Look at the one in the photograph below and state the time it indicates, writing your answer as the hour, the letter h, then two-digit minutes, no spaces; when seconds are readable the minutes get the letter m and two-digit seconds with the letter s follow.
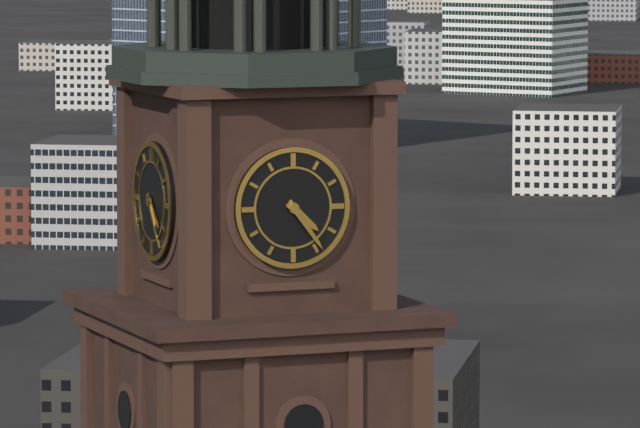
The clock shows 4h24
